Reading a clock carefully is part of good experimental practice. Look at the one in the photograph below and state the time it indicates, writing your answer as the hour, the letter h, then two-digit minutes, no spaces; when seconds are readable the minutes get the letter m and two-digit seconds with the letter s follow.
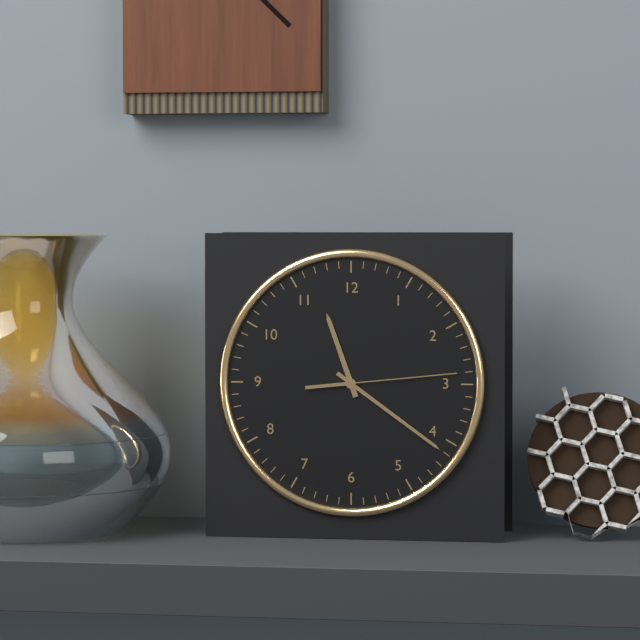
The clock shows 11h21m14s
